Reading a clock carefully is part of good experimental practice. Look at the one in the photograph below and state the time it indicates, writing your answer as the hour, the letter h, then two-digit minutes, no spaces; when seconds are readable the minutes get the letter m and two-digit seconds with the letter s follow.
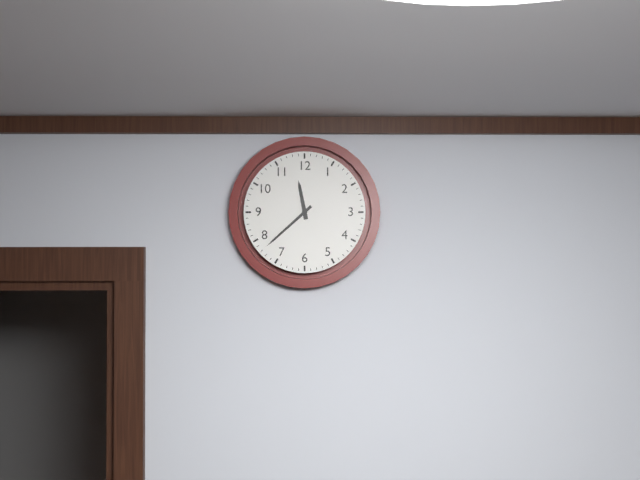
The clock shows 11h38
